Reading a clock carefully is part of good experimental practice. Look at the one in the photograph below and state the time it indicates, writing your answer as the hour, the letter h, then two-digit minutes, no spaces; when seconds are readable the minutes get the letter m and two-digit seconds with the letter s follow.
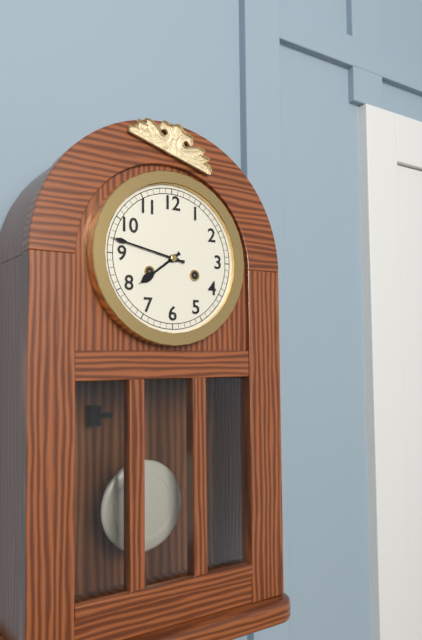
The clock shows 7h47
